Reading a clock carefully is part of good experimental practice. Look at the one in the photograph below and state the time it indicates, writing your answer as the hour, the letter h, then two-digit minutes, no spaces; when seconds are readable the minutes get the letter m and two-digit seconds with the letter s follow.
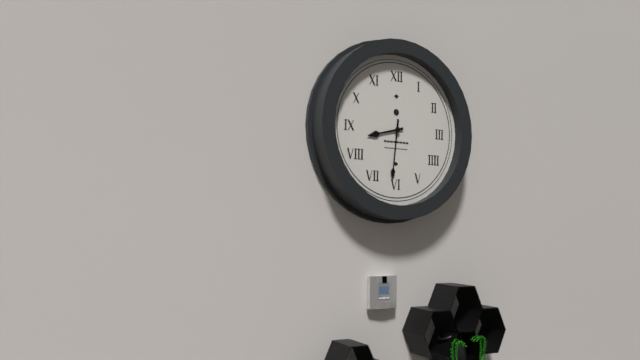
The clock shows 8h31
